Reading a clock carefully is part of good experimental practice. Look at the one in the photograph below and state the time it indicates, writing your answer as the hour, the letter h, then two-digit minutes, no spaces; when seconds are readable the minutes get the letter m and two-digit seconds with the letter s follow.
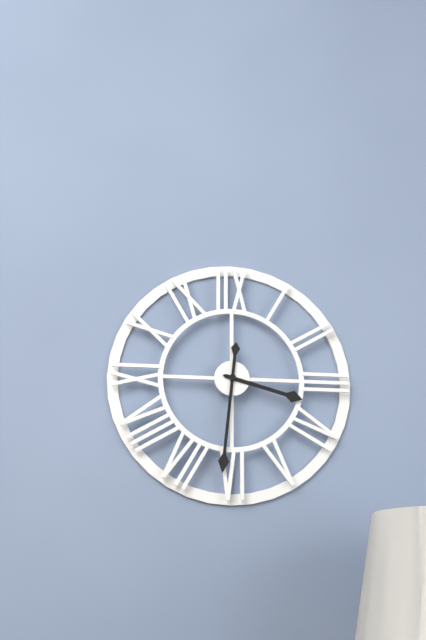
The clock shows 3h31
